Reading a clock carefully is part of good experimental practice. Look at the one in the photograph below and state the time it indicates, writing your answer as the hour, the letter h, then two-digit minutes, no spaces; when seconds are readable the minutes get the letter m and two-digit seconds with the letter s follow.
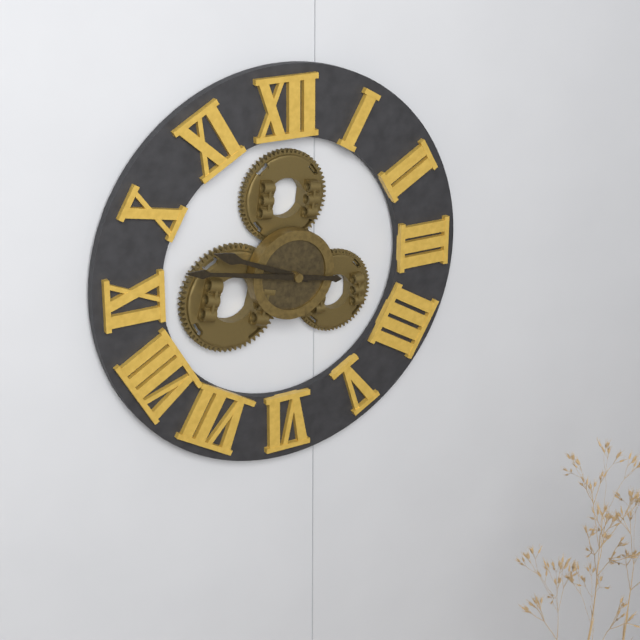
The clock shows 9h47
